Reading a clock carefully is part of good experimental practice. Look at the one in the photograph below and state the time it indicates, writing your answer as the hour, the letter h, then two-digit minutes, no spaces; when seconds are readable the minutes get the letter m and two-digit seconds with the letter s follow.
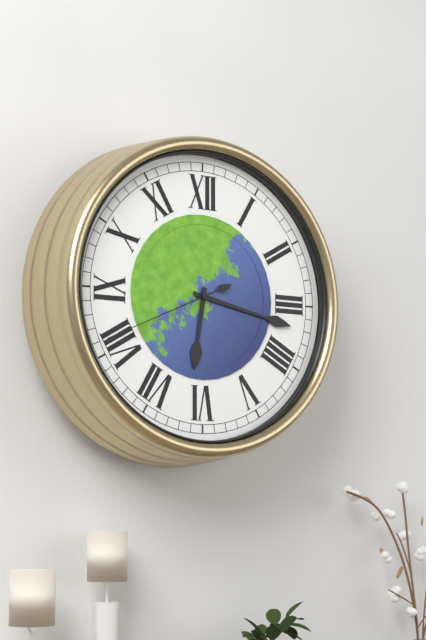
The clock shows 6h17m41s
